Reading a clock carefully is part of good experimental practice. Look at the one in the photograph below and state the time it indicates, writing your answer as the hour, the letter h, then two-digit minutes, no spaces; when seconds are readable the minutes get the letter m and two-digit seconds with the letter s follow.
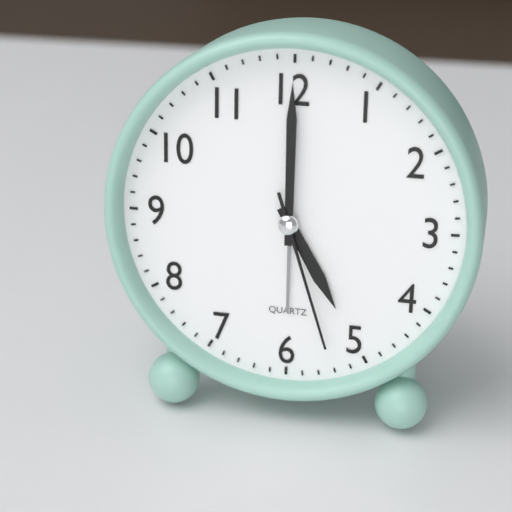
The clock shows 5h00m27s
